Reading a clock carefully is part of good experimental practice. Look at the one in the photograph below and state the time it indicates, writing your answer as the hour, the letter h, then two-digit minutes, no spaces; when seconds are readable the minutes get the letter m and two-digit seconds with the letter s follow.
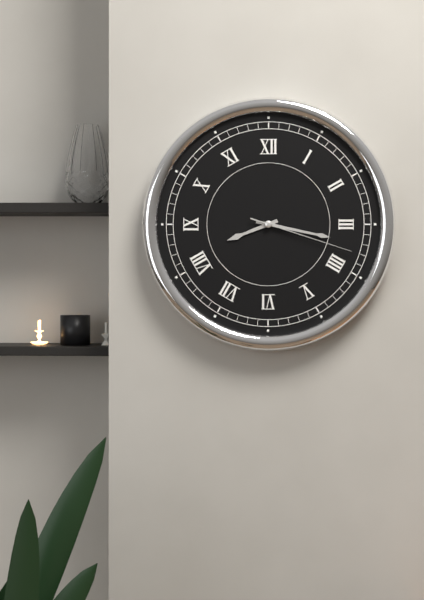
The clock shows 8h17m18s
